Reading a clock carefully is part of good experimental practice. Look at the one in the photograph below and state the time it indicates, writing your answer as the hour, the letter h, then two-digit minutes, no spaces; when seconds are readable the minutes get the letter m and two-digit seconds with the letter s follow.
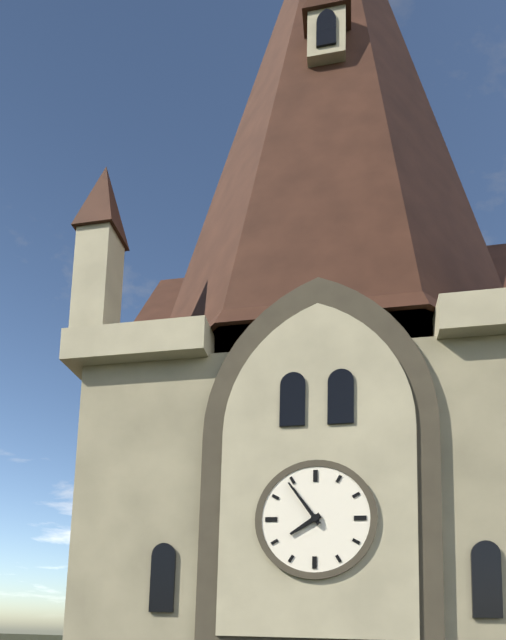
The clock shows 7h54
